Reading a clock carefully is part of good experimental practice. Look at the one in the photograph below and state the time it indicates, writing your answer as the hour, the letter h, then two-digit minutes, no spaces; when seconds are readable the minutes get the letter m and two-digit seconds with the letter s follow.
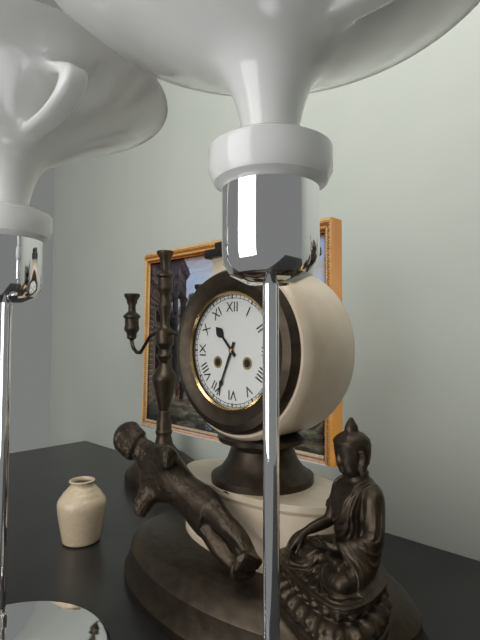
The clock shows 10h34
